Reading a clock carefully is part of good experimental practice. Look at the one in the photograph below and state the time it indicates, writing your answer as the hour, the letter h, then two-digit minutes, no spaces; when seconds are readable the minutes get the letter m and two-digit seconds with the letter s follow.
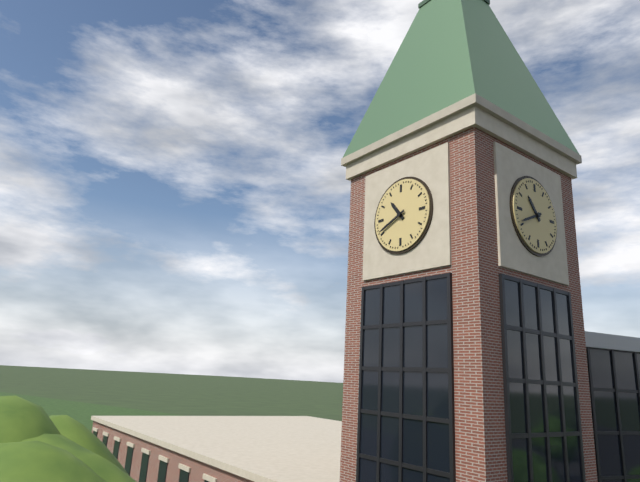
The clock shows 10h41
